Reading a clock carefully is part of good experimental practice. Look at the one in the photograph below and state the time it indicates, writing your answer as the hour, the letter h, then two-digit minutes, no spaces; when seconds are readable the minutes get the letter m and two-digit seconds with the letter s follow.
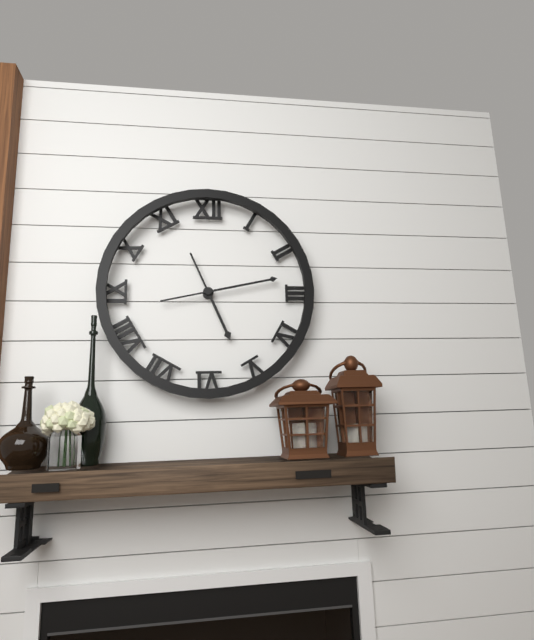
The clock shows 5h13
